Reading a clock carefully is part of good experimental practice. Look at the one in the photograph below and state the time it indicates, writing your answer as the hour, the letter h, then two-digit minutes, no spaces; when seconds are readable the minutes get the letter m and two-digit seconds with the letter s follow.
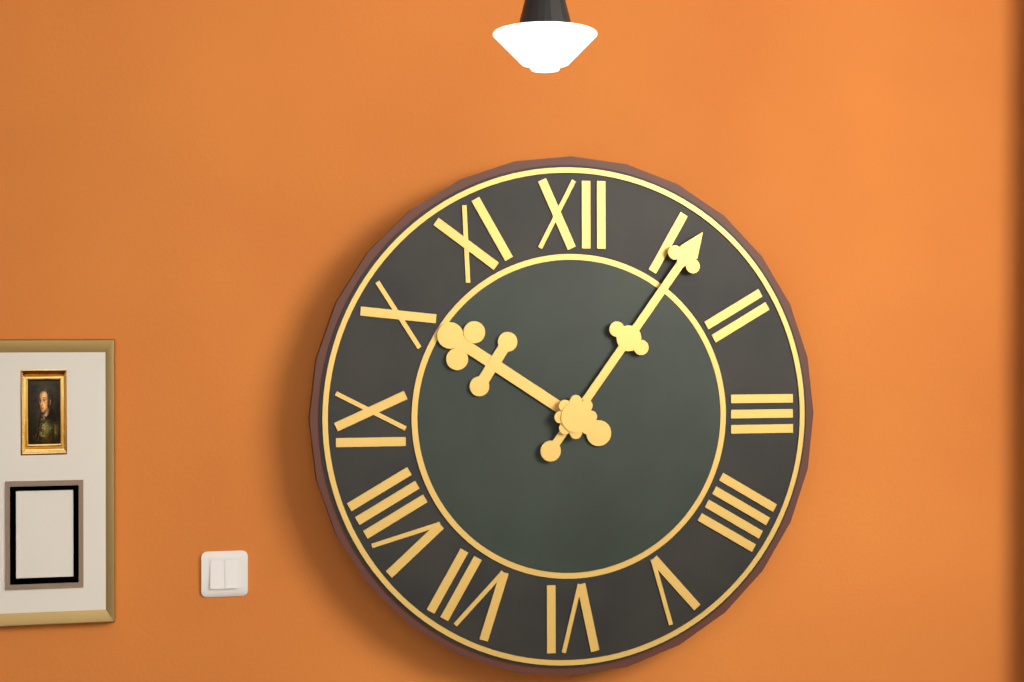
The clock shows 10h06
